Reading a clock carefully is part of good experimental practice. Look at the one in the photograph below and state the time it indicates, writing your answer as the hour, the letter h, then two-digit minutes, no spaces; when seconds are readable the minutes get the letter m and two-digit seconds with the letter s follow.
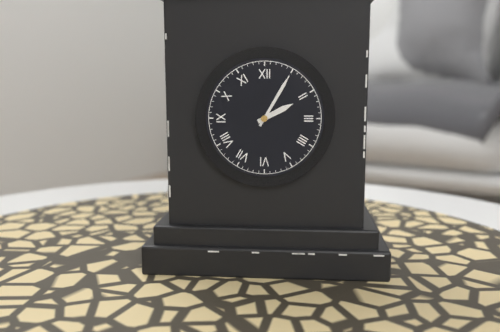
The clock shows 2h05
